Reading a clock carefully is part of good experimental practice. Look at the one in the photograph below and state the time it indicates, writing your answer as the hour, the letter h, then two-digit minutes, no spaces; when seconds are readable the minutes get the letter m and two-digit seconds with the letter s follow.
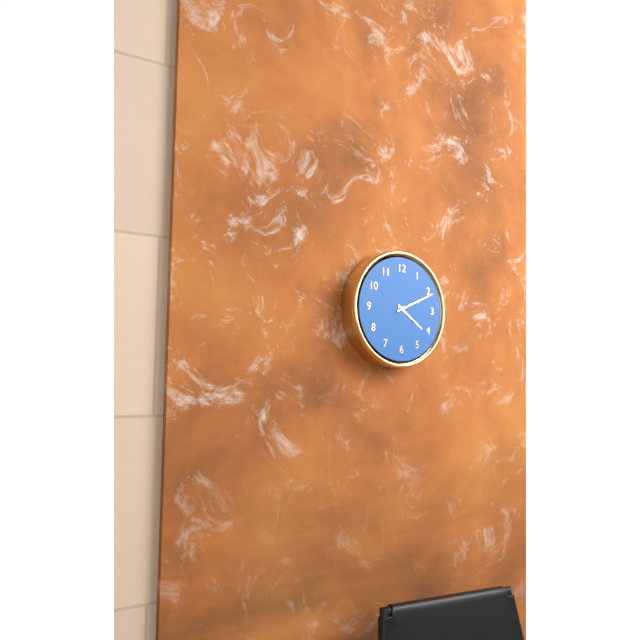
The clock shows 4h11
